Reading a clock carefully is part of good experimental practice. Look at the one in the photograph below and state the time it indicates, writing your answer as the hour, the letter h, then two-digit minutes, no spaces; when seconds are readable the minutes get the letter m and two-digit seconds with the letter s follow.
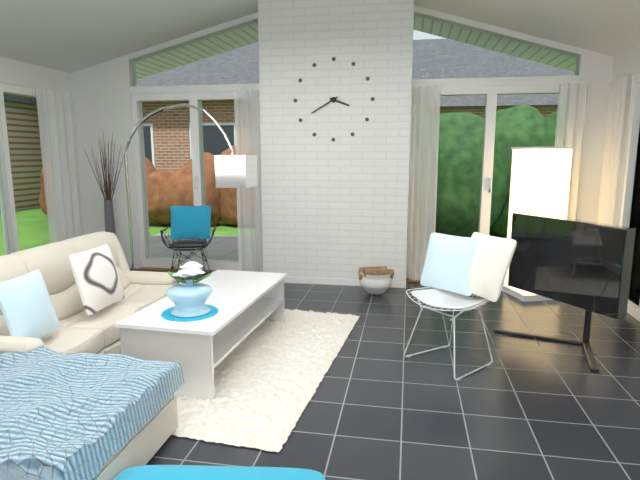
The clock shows 3h40
